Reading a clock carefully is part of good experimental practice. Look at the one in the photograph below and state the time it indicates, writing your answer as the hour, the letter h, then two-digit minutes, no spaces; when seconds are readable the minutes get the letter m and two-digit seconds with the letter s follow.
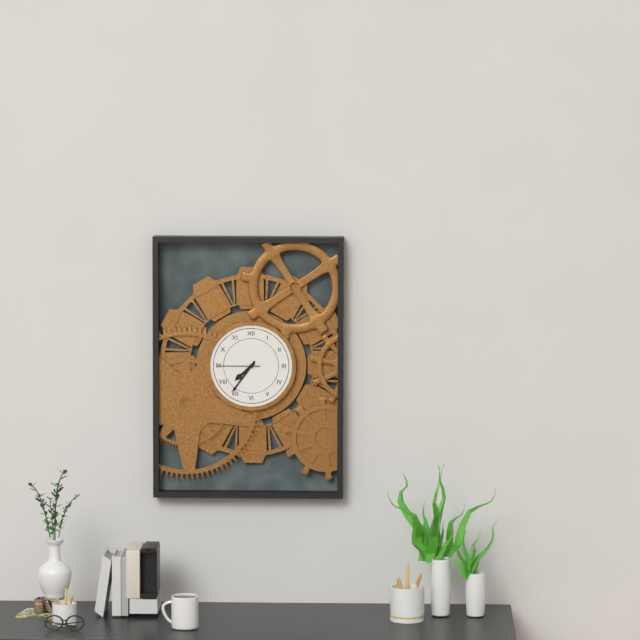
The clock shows 7h36
